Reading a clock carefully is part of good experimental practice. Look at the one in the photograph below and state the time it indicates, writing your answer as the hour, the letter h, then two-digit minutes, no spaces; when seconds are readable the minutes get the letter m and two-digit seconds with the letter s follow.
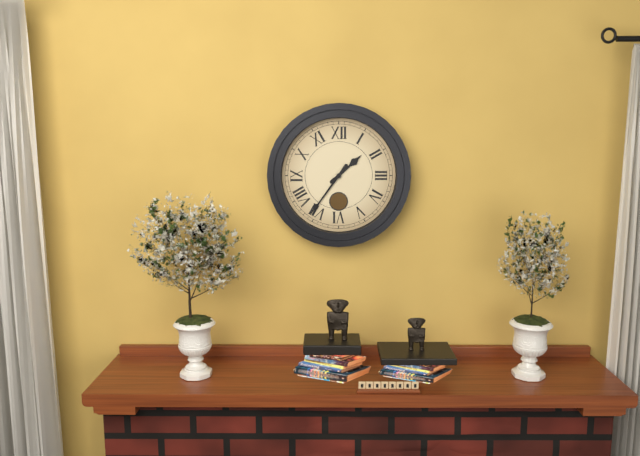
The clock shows 1h36
